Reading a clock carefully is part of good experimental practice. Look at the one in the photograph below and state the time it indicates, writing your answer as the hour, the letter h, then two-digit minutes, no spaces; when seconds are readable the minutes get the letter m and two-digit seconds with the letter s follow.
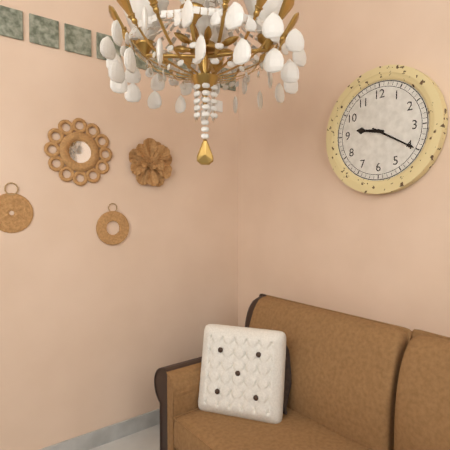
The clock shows 9h20
